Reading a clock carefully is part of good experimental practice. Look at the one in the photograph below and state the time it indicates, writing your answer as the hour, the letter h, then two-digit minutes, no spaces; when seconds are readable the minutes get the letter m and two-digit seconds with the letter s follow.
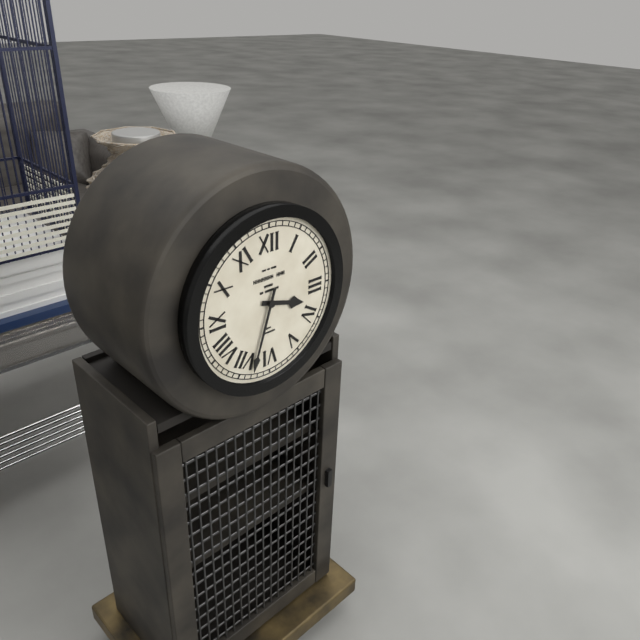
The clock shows 3h33
